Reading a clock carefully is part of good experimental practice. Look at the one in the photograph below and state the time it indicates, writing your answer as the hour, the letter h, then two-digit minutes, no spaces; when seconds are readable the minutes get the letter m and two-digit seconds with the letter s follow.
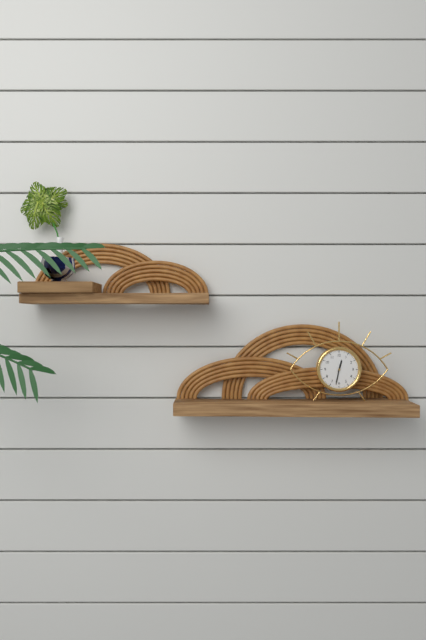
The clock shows 12h32
